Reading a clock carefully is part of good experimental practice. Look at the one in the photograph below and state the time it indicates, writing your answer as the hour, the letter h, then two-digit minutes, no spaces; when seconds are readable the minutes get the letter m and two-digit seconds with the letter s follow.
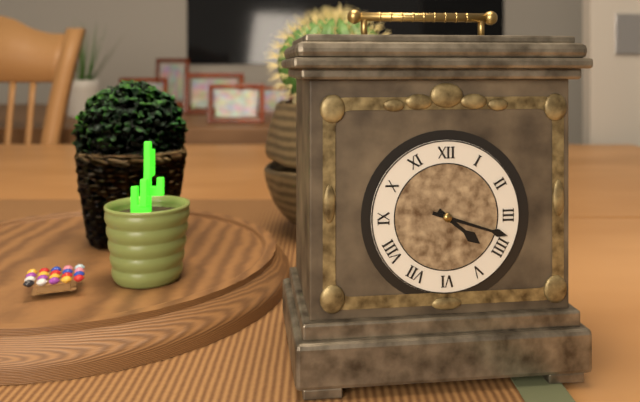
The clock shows 4h18
